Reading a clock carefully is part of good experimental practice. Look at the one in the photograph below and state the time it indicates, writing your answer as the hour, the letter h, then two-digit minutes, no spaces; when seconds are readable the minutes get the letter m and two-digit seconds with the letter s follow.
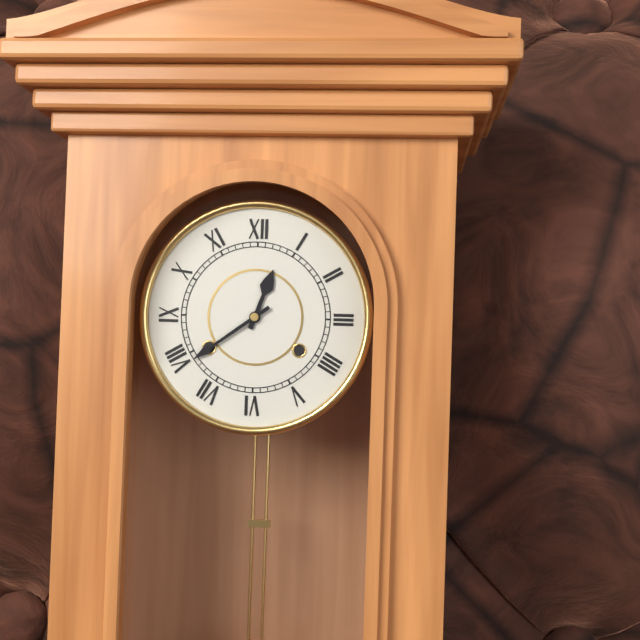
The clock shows 12h39
